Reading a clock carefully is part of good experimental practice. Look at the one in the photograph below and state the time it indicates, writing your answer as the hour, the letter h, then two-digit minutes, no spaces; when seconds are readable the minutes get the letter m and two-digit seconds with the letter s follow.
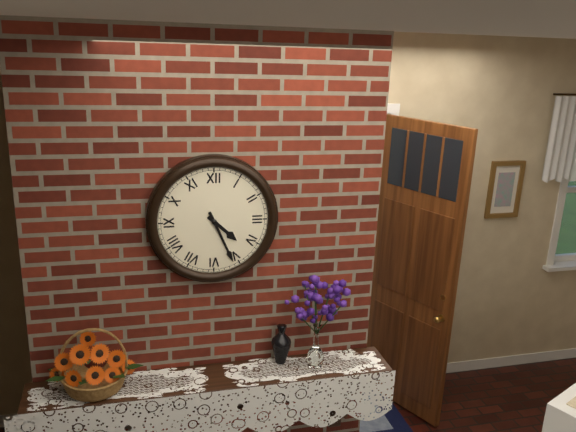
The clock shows 4h26
